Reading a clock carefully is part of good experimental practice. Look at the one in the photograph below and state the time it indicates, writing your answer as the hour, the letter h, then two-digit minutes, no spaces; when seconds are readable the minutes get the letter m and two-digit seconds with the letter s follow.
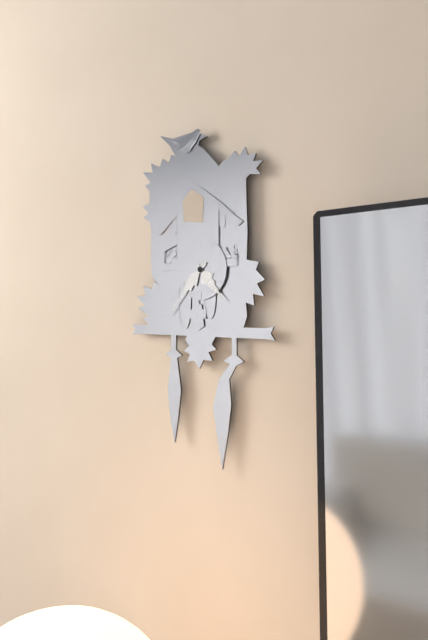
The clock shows 4h37
